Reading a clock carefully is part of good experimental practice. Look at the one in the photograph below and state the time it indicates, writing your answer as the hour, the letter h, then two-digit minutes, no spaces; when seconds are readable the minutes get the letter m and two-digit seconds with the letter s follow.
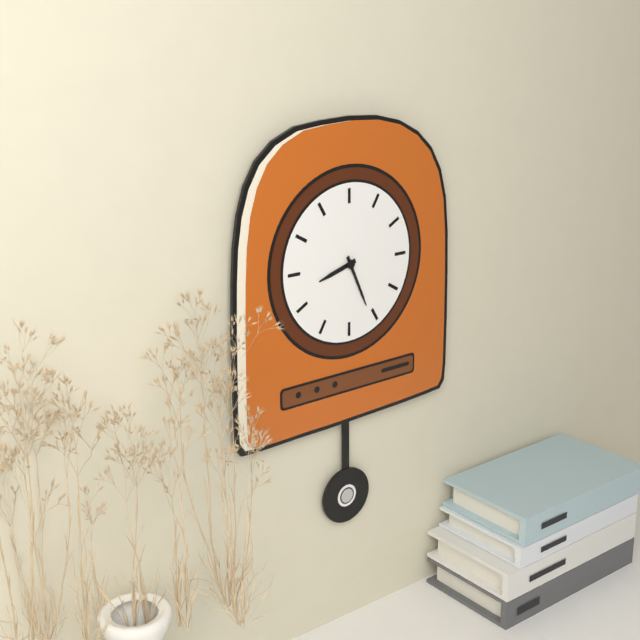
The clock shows 8h26
